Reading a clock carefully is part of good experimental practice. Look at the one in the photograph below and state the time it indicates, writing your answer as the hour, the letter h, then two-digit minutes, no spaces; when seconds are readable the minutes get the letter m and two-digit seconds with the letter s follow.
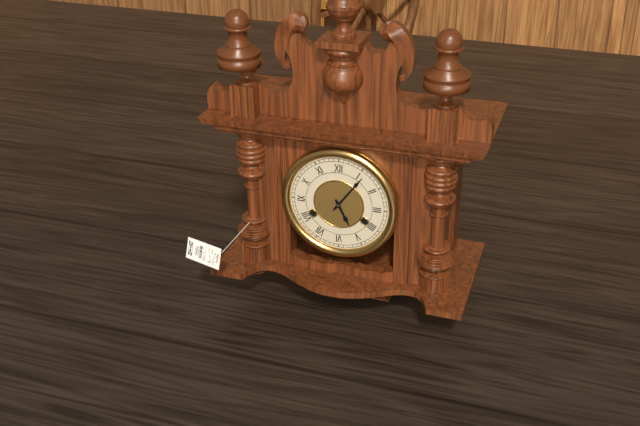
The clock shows 5h06
